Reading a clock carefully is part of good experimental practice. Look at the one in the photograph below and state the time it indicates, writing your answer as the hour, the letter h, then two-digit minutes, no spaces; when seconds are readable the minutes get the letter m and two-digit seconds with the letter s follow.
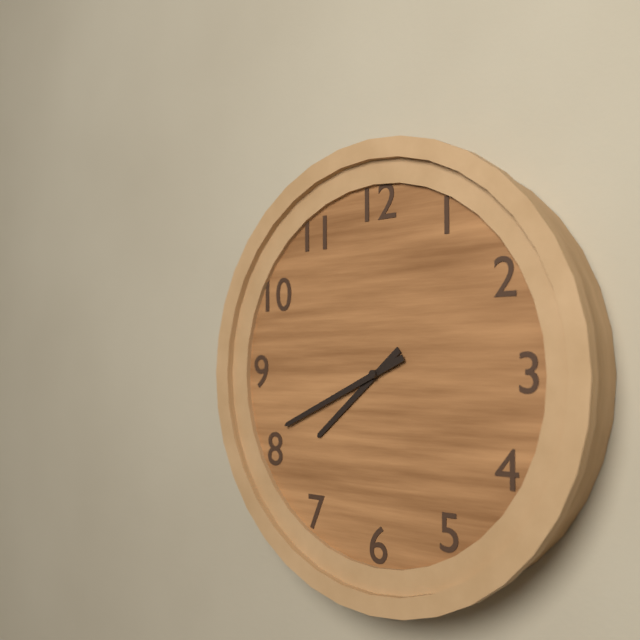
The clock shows 7h41
